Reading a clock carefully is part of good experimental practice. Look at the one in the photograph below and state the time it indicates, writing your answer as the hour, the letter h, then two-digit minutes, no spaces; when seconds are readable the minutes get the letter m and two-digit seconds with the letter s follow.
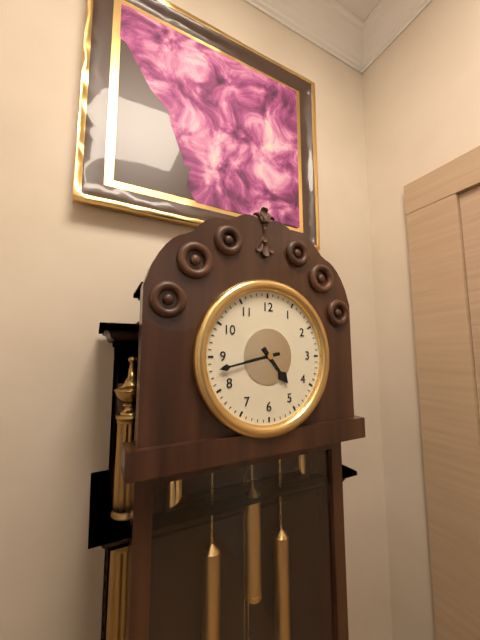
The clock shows 4h43
